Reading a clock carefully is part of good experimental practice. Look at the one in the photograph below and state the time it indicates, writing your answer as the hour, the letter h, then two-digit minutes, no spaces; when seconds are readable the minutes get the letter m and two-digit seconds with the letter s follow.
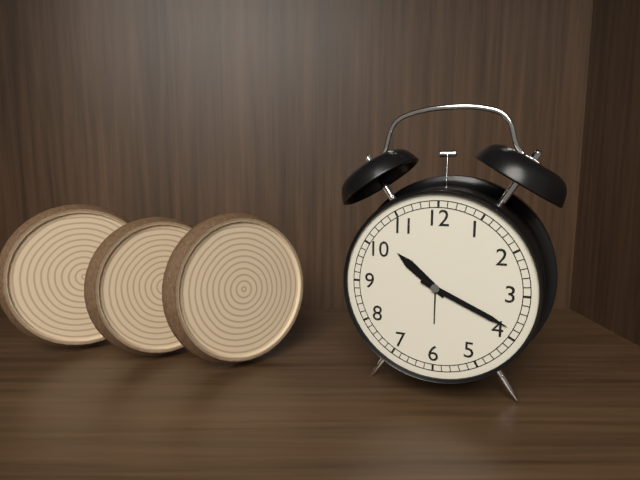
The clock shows 10h19
